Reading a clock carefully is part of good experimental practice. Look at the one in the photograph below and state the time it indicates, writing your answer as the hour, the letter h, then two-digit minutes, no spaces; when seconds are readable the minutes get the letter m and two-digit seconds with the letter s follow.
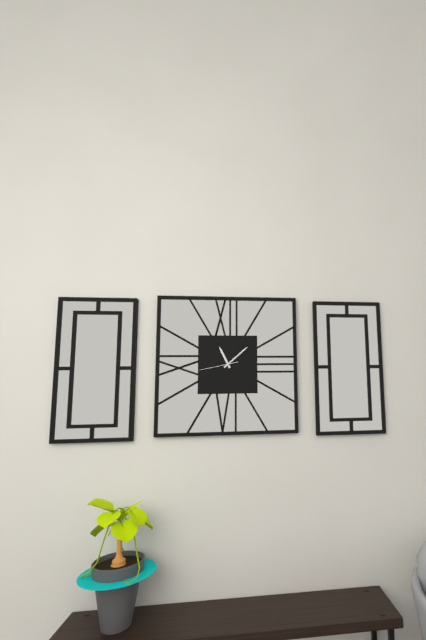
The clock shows 11h08
